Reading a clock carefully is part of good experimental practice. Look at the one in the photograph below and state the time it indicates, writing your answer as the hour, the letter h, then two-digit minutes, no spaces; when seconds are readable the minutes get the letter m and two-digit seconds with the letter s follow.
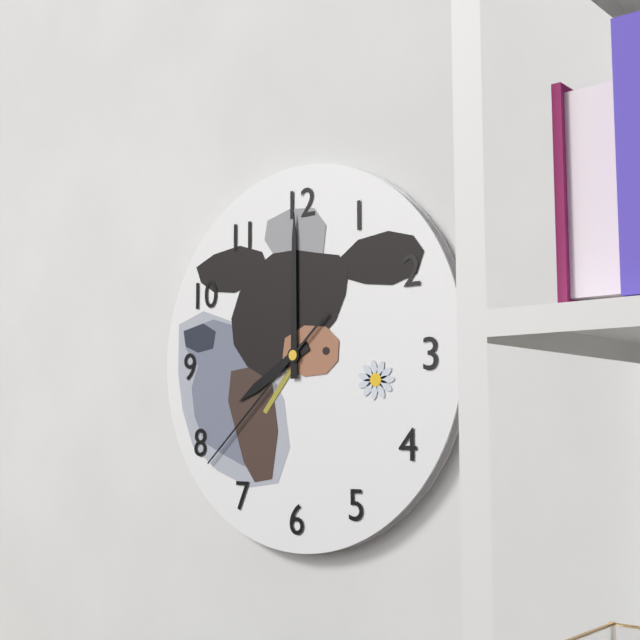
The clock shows 8h00m38s
